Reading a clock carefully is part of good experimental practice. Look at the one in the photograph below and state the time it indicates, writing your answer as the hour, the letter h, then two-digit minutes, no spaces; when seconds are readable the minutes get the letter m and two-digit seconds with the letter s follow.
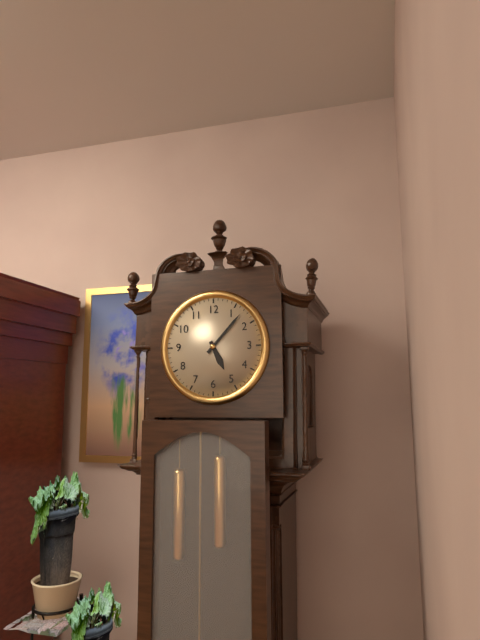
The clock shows 5h07
